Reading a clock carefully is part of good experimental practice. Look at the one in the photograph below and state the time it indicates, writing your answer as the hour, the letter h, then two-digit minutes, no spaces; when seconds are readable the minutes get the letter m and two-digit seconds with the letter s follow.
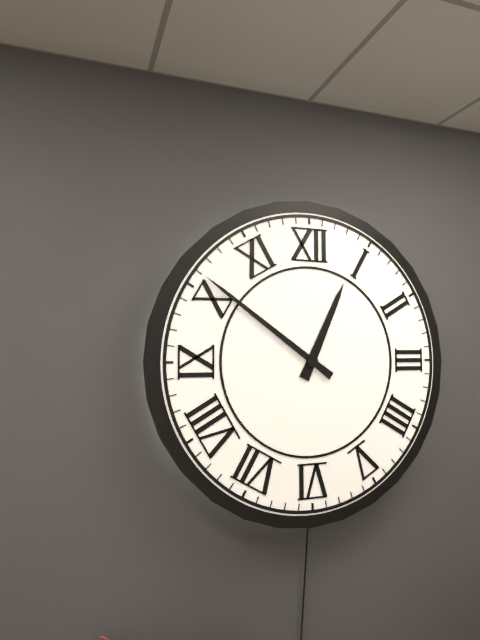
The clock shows 12h51
